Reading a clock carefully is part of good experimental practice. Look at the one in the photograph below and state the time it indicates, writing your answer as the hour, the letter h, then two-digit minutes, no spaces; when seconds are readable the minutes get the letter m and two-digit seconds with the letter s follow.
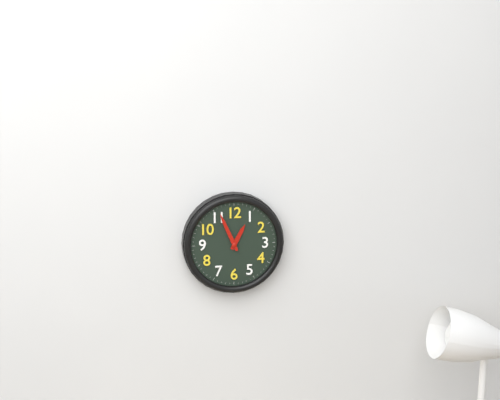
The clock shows 12h56
